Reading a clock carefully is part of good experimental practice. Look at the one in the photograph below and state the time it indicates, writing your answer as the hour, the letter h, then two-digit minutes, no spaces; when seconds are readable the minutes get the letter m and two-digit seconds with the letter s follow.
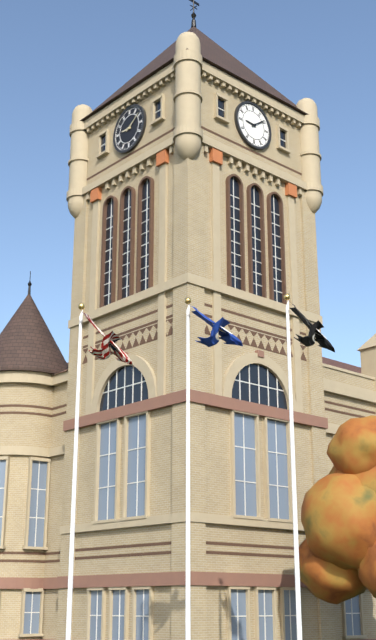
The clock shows 9h09
